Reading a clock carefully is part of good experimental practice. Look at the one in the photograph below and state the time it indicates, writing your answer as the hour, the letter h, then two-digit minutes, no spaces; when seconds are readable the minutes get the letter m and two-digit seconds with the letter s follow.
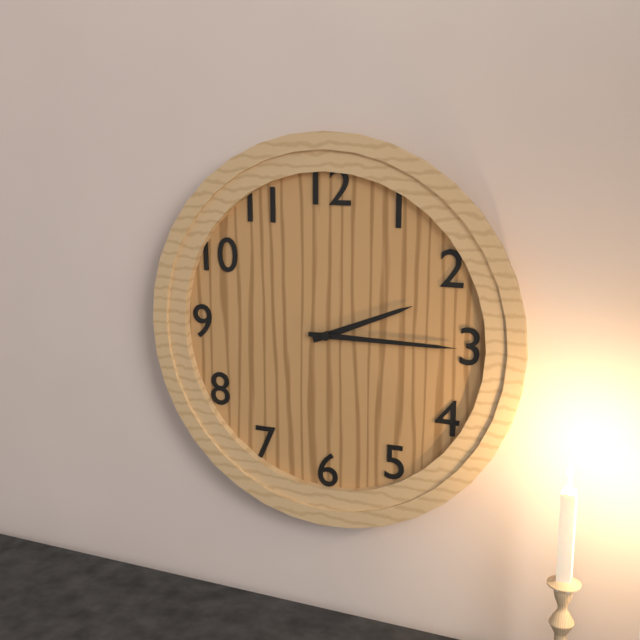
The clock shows 2h15
